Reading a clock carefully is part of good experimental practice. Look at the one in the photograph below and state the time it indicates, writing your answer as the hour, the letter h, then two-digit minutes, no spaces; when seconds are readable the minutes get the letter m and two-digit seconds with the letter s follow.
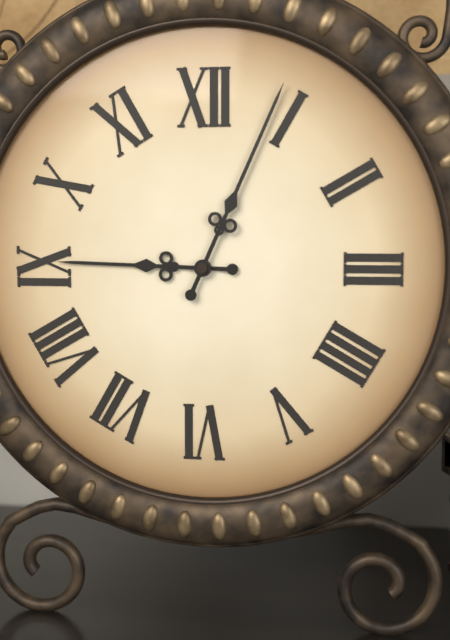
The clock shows 9h04
